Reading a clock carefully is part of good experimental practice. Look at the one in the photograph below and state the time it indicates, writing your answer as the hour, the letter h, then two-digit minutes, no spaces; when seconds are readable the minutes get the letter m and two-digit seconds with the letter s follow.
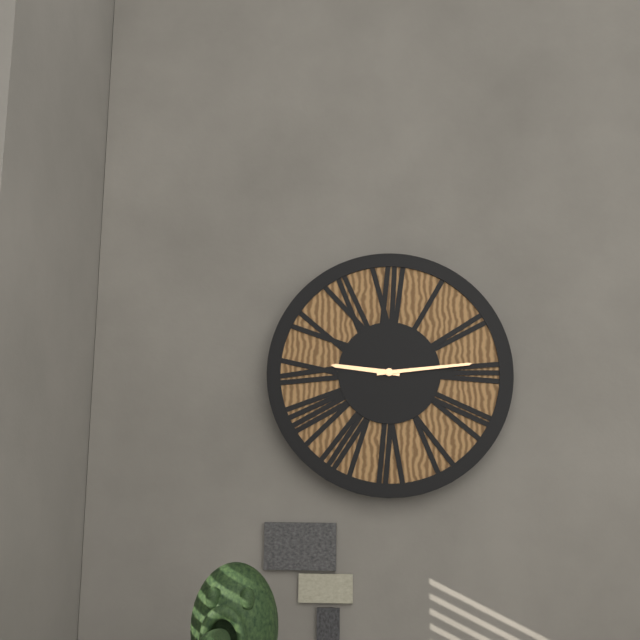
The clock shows 9h14
